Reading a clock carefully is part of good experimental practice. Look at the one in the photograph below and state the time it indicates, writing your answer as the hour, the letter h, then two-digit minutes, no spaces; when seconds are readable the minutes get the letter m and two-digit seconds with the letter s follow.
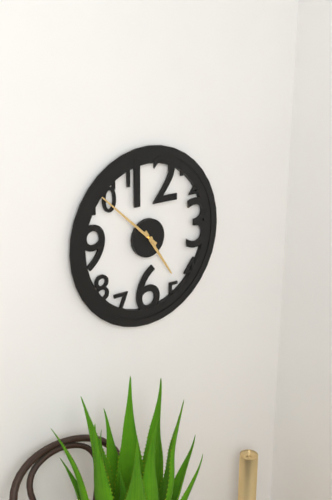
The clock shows 4h52
